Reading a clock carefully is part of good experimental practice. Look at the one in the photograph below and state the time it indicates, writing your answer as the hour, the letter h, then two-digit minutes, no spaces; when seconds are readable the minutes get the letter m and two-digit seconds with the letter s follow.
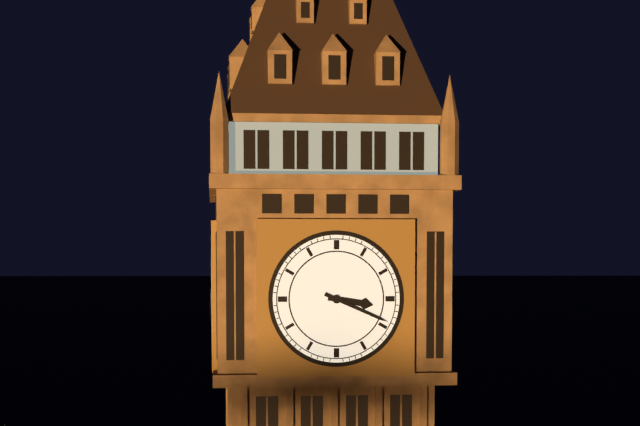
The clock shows 3h19
